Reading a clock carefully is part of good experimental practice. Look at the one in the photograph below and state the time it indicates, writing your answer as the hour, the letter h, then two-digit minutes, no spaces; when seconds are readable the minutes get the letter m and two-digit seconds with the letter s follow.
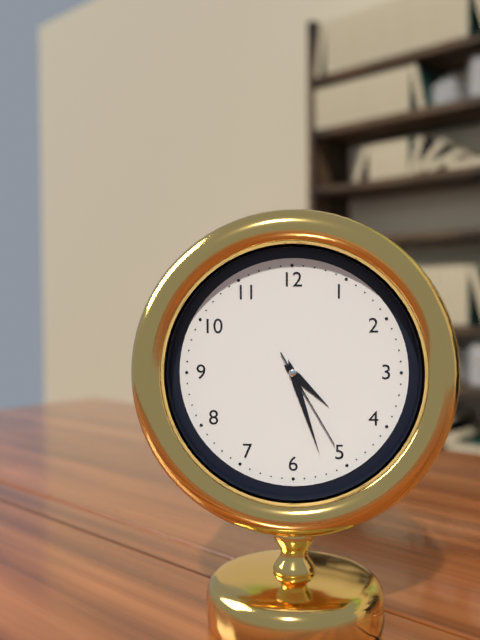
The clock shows 4h27m25s
